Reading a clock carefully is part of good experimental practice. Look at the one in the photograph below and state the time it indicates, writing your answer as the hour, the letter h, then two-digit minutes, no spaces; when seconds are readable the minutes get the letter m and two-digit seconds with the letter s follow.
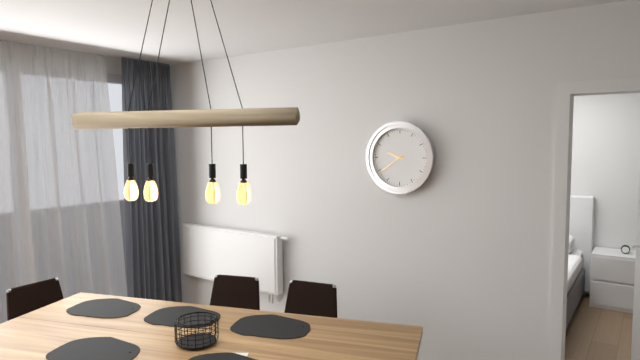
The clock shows 9h39
